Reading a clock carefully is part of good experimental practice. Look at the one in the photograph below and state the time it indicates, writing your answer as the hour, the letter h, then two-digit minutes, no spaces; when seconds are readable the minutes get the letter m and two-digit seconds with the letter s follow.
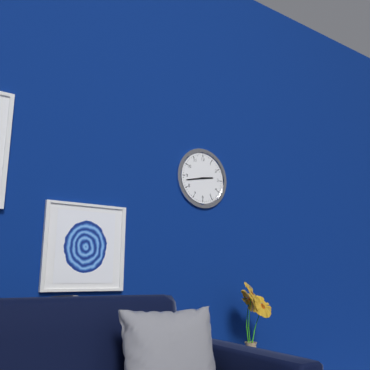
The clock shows 2h43
